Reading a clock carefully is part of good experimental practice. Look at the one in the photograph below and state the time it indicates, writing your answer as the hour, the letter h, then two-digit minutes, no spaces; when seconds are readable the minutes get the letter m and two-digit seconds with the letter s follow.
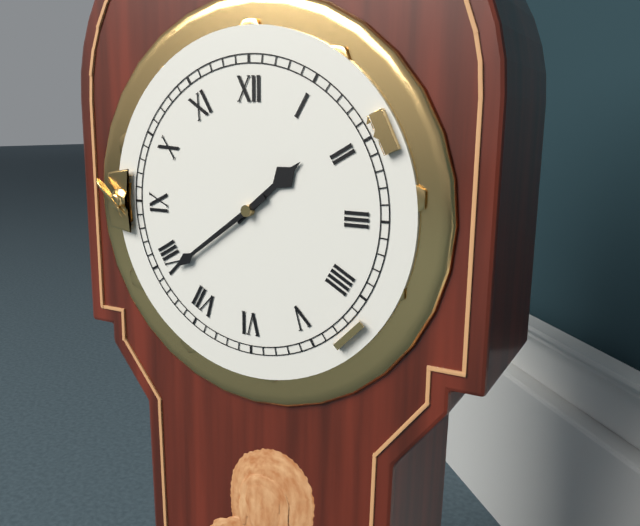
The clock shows 1h39
